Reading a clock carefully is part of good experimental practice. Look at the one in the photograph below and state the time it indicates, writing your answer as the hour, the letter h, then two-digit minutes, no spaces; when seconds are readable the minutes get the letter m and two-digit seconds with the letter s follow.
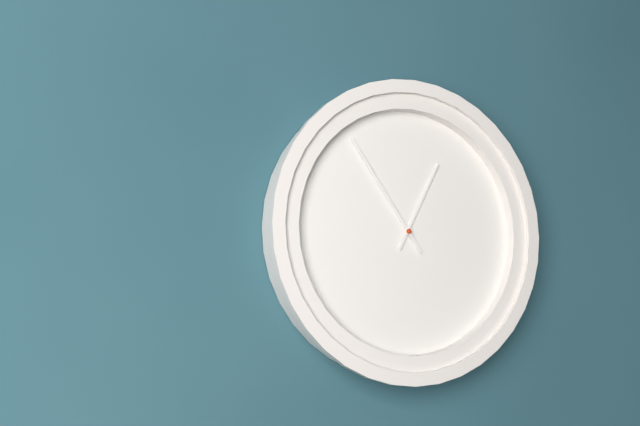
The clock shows 12h54
